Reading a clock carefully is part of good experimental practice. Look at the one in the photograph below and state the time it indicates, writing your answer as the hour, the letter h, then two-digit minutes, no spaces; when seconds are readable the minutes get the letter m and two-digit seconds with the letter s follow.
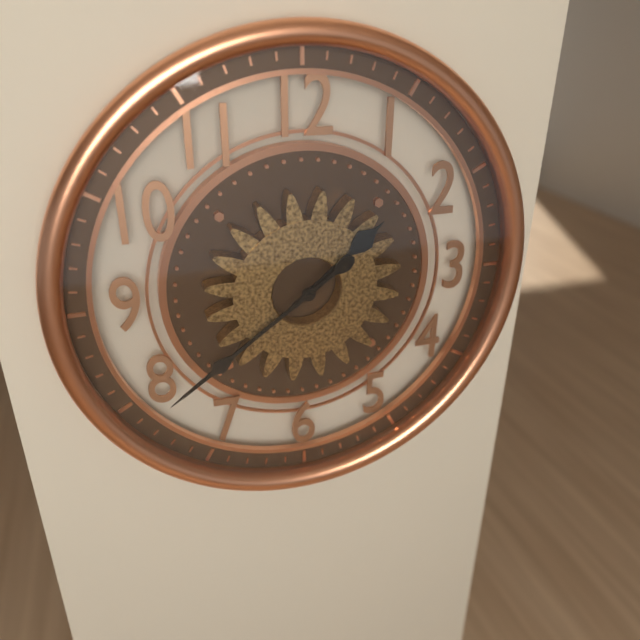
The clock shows 1h39
